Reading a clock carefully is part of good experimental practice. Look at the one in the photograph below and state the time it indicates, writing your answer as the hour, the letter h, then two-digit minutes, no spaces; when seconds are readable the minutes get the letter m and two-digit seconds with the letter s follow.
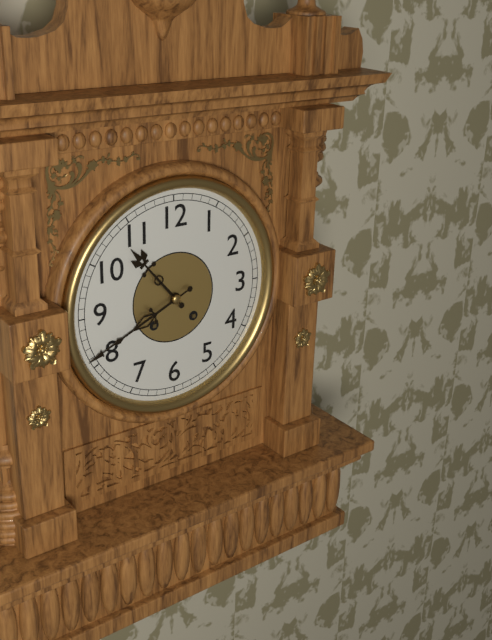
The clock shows 10h41
